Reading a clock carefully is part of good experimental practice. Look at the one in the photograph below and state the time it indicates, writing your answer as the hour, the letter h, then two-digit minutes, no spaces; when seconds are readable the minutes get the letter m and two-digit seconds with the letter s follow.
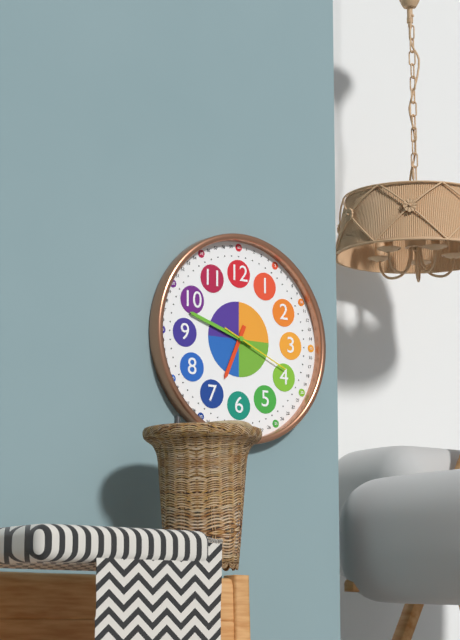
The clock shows 6h48m19s
